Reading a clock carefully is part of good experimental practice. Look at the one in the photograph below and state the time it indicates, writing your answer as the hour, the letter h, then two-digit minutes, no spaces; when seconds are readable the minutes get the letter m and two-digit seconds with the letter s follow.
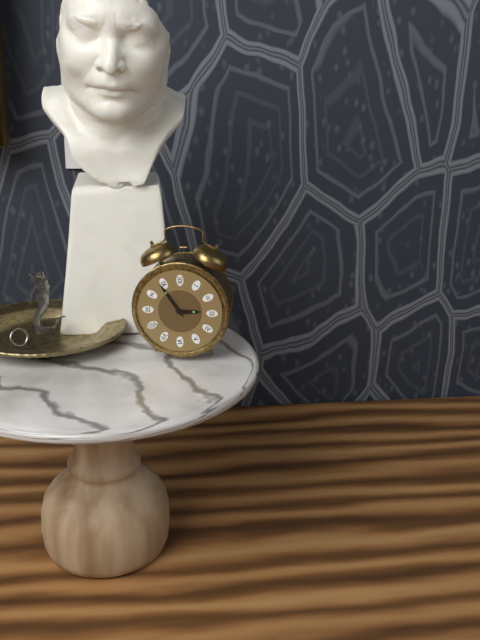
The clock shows 2h54
